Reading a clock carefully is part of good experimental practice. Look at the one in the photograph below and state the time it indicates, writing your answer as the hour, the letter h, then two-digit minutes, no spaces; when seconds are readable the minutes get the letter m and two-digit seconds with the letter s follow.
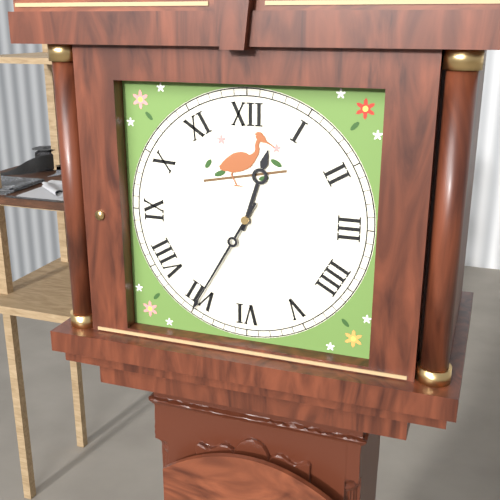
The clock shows 12h35
